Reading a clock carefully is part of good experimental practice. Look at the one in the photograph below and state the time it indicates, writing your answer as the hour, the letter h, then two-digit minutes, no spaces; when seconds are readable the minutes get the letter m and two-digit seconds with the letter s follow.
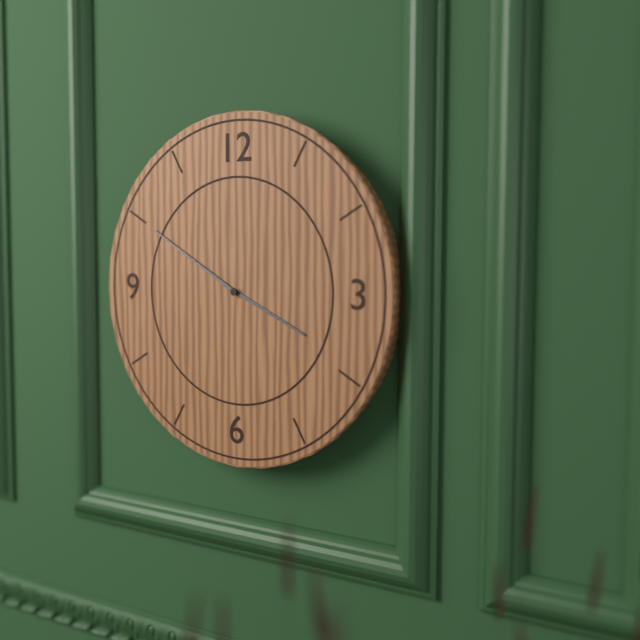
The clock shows 3h50
